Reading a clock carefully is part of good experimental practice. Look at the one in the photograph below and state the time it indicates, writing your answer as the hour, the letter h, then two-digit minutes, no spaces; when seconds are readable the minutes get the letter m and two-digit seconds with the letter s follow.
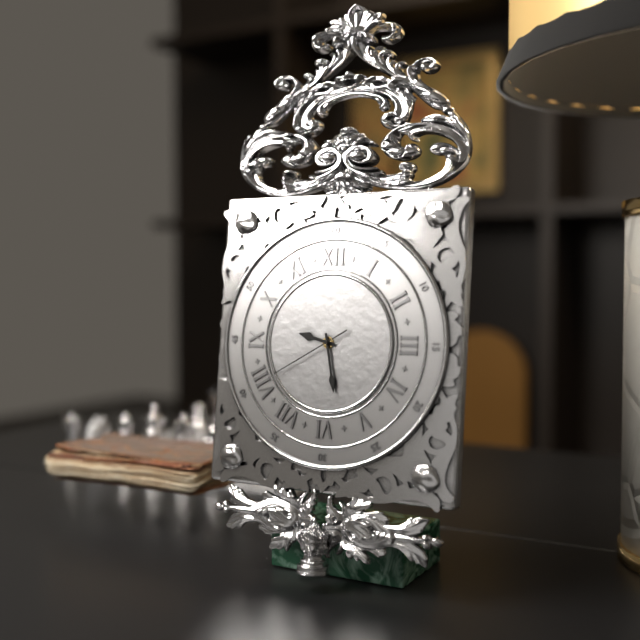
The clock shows 9h28m40s
